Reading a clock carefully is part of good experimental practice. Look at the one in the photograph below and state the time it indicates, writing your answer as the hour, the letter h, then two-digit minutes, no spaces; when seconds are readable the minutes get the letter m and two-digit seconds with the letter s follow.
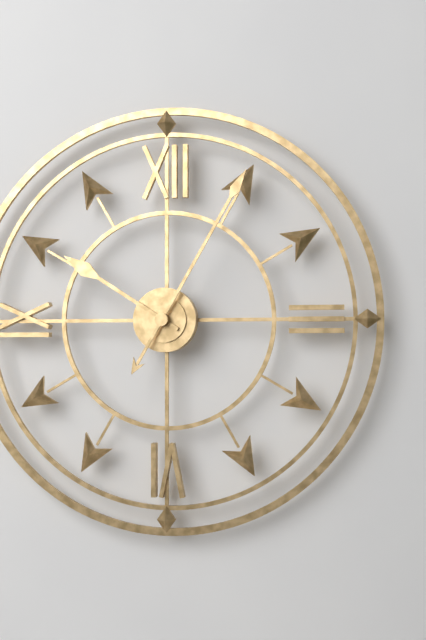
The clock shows 10h05
